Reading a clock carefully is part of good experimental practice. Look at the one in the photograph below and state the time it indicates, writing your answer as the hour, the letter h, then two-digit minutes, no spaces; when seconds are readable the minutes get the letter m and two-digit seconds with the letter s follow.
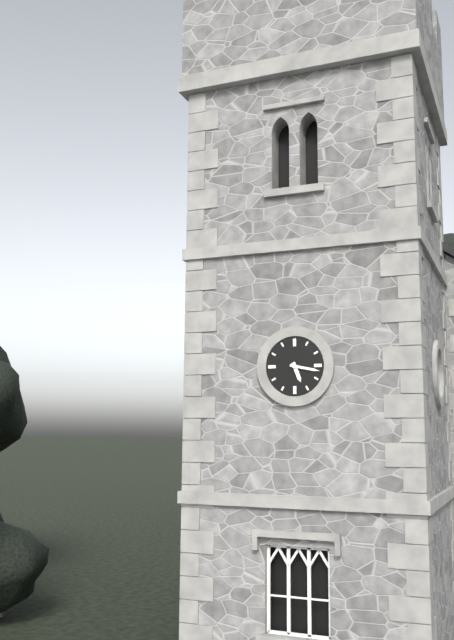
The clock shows 5h17
